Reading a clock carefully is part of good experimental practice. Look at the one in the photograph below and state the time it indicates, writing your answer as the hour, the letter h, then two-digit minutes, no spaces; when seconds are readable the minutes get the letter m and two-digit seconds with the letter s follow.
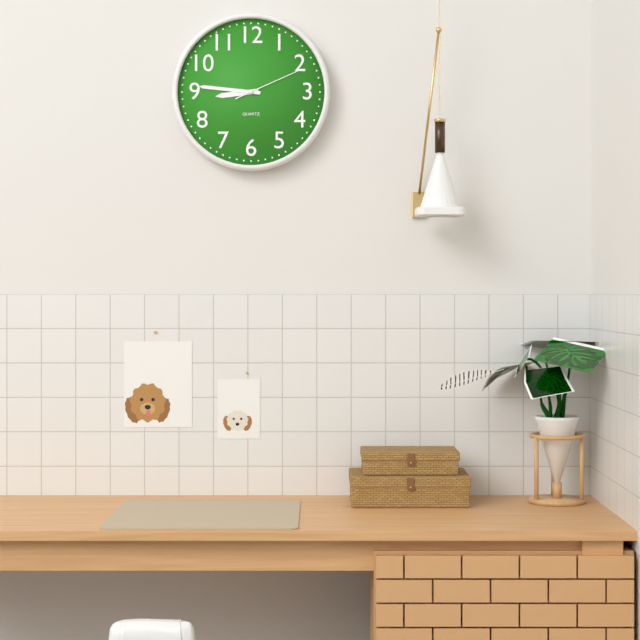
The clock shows 8h46m11s
